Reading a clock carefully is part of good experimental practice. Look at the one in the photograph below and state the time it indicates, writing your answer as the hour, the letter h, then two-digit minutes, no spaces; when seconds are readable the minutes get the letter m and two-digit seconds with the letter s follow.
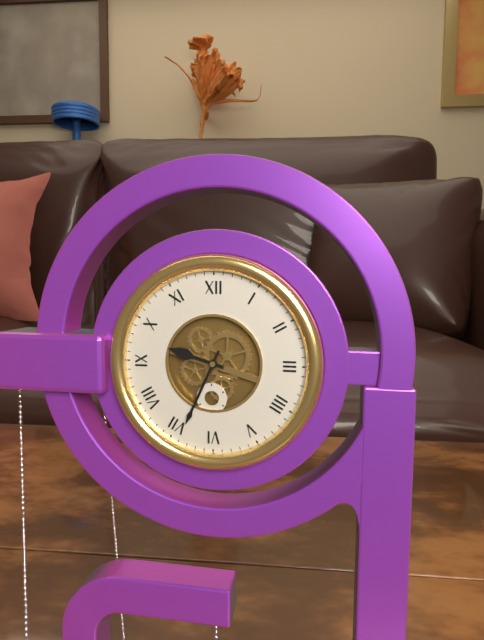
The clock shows 9h34
